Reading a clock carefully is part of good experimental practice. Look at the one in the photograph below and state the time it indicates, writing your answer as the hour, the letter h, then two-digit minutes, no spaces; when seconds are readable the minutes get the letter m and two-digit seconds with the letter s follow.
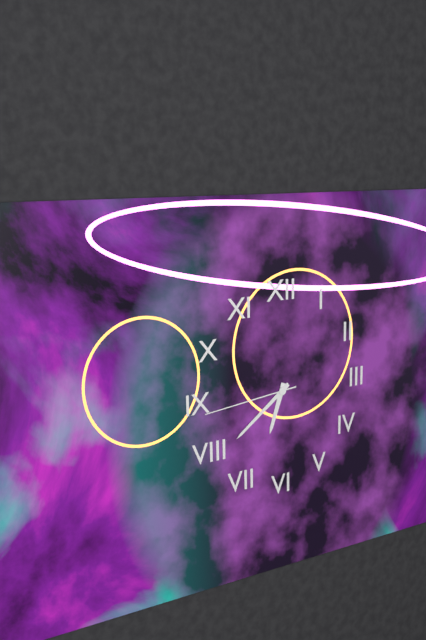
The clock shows 6h39m44s
